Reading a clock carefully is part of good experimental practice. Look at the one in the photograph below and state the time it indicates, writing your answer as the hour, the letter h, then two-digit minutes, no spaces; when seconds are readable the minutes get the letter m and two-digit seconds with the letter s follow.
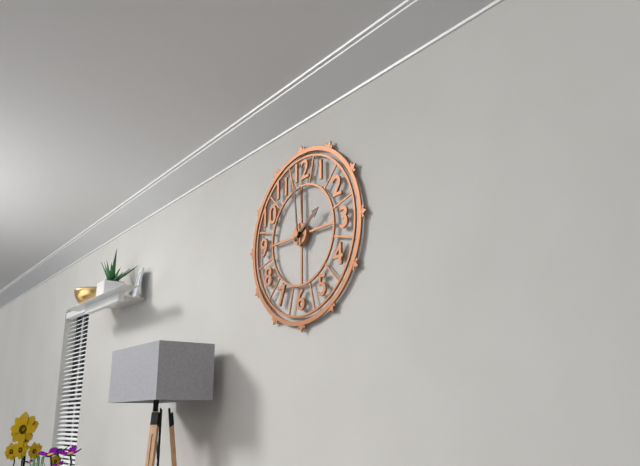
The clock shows 1h59
